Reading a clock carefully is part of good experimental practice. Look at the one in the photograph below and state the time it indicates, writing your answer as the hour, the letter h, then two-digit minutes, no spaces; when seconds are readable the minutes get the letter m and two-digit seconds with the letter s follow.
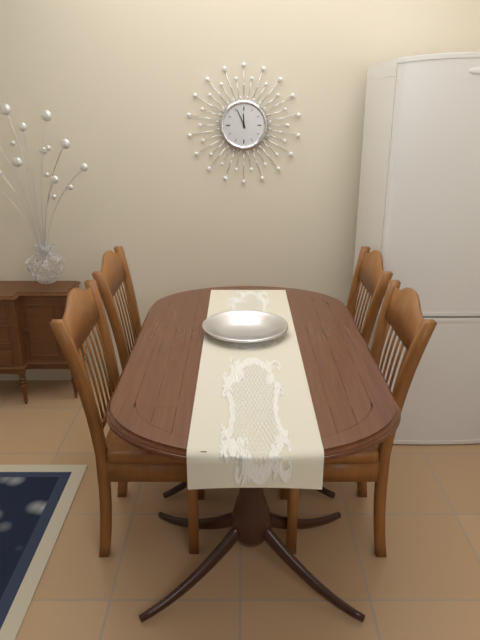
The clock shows 11h56
